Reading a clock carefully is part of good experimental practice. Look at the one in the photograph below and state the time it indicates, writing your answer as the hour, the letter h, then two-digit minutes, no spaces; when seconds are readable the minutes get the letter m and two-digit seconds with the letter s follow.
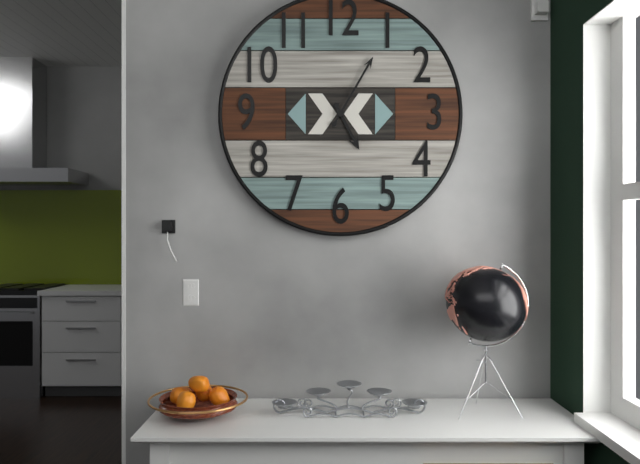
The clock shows 5h05
